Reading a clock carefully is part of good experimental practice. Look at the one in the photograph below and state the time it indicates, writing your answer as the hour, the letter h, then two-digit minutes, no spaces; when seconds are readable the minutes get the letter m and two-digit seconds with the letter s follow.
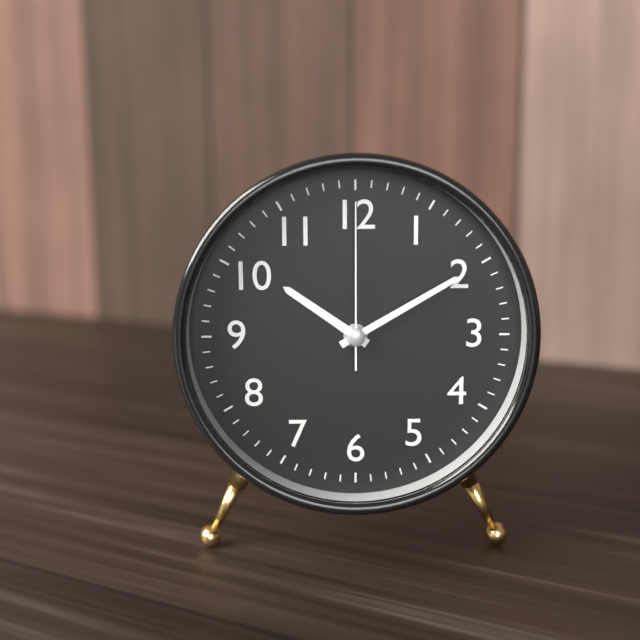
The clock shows 10h10m00s
